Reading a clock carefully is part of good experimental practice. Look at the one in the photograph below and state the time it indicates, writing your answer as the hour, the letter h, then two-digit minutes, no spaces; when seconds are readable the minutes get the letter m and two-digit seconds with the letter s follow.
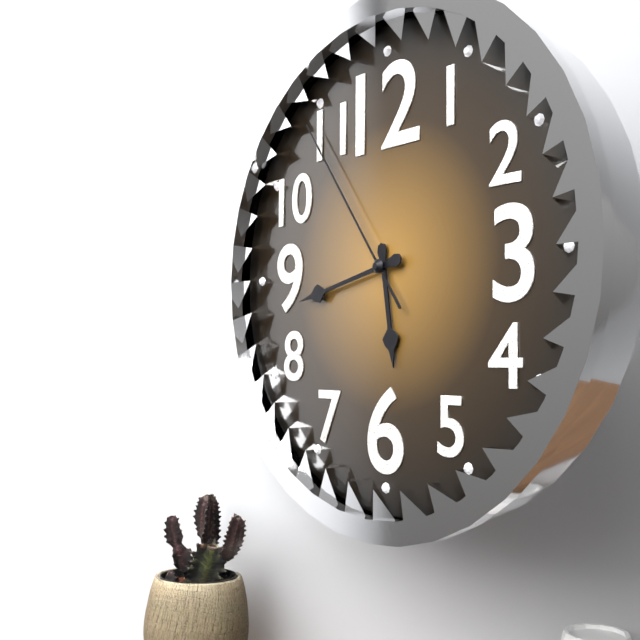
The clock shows 5h43m54s
